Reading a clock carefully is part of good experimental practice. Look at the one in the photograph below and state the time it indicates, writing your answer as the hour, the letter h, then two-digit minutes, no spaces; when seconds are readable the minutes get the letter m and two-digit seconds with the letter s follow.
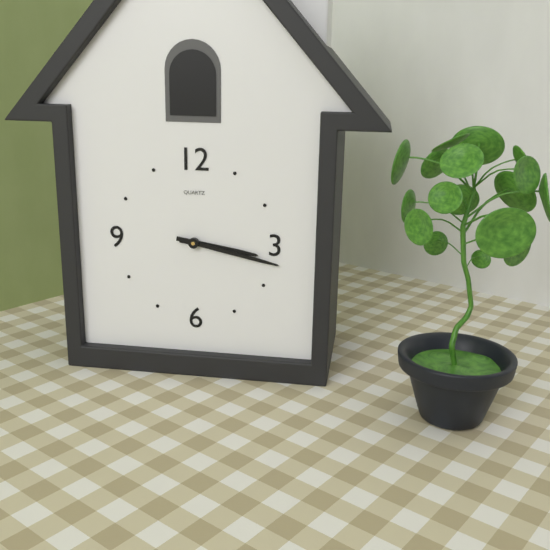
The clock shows 3h17
